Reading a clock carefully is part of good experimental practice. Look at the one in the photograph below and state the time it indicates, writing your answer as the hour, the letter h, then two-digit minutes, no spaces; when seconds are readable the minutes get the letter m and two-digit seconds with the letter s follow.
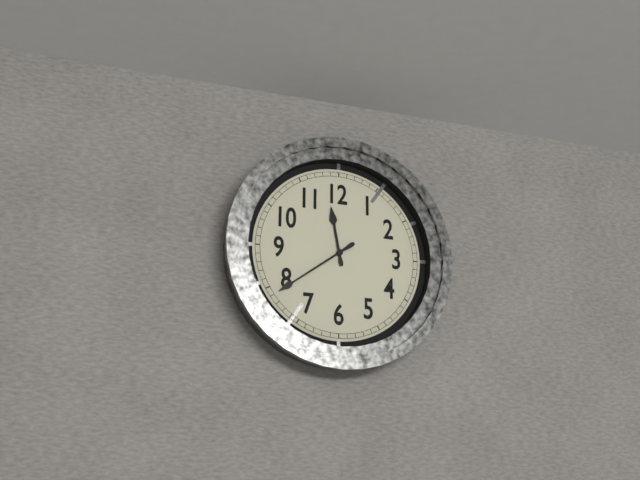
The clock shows 11h39
